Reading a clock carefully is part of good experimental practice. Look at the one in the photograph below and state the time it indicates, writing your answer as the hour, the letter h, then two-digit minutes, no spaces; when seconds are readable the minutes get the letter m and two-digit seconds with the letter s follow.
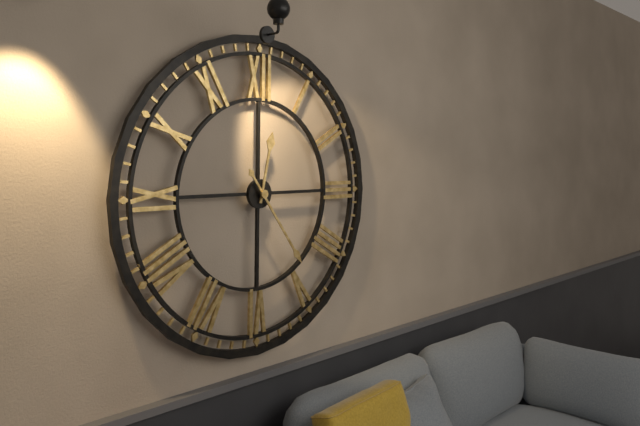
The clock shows 12h24
